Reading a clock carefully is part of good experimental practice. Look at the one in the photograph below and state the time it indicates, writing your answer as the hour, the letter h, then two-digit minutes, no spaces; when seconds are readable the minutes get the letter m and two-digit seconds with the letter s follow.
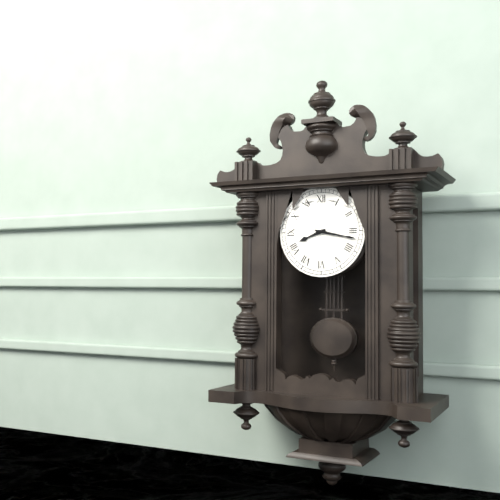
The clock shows 8h17
